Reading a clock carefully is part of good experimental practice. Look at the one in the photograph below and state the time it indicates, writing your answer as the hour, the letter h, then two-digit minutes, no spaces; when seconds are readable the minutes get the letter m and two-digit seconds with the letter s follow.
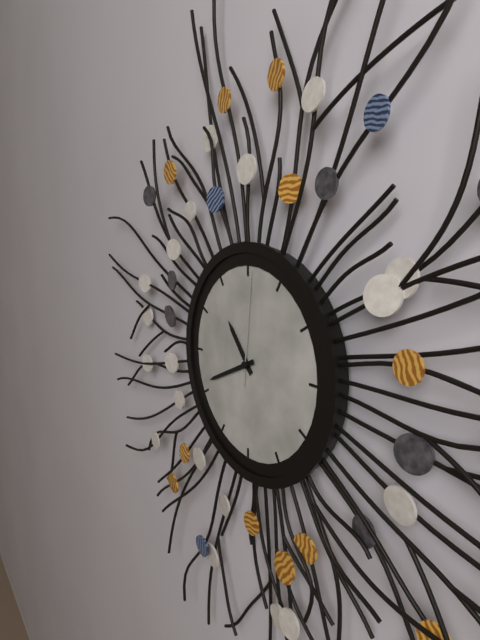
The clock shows 10h41m01s
